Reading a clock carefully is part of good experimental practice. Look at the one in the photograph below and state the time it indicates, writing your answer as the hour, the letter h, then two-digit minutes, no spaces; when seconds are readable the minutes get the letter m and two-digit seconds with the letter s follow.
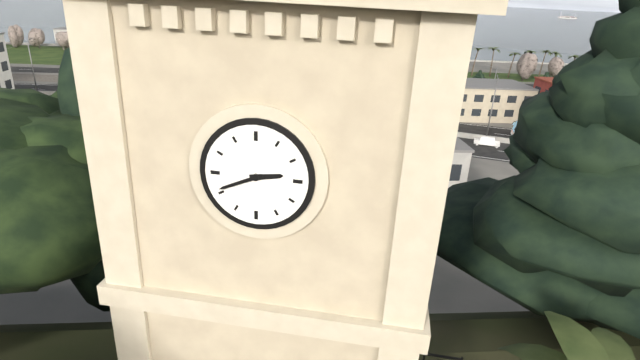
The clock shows 2h41
